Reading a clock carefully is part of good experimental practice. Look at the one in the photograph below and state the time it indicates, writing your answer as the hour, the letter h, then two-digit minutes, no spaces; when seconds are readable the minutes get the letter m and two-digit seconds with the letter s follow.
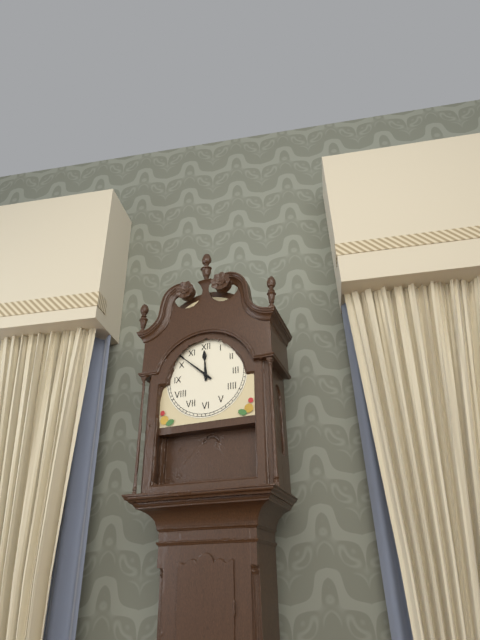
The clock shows 11h52
